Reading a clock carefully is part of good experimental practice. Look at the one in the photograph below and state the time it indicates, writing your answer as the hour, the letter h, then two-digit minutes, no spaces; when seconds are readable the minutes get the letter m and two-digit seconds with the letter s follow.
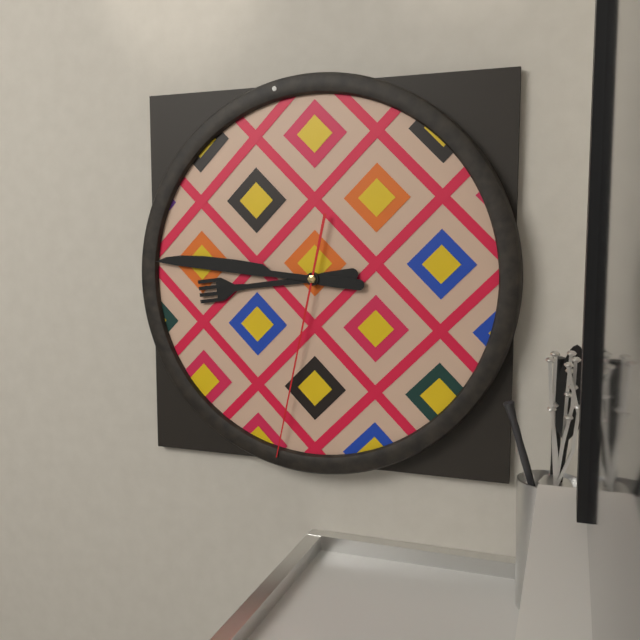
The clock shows 8h46m32s
